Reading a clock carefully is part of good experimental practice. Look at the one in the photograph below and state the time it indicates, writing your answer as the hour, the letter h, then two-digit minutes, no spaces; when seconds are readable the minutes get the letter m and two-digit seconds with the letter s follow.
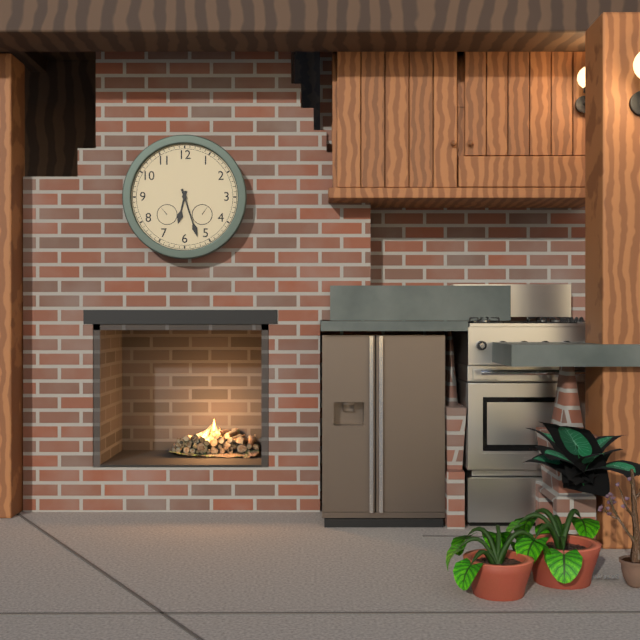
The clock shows 6h27
